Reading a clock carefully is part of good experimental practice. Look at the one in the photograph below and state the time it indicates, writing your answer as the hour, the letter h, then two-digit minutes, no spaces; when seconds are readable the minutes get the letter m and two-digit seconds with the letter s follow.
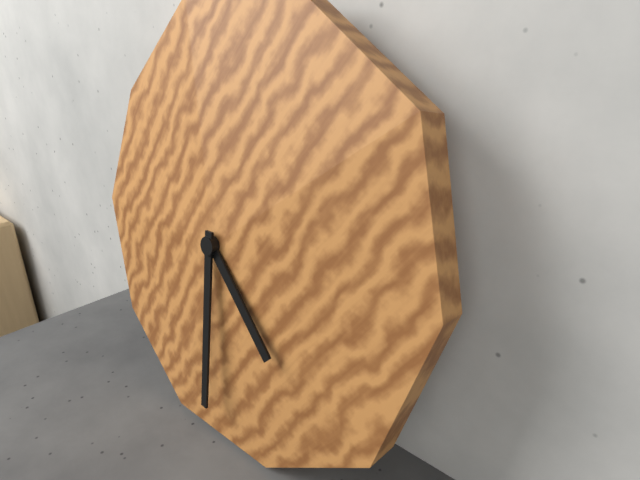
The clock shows 4h30
